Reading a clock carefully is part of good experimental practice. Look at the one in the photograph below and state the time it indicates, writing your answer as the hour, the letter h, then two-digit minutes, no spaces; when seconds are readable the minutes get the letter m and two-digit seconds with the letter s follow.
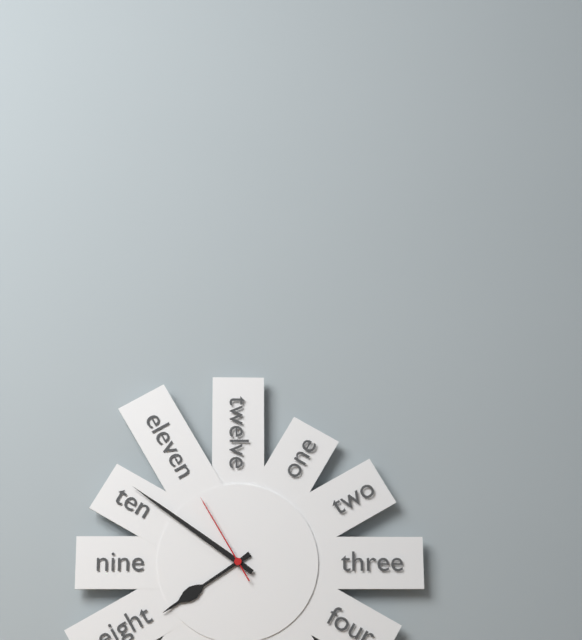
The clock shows 7h51m55s
